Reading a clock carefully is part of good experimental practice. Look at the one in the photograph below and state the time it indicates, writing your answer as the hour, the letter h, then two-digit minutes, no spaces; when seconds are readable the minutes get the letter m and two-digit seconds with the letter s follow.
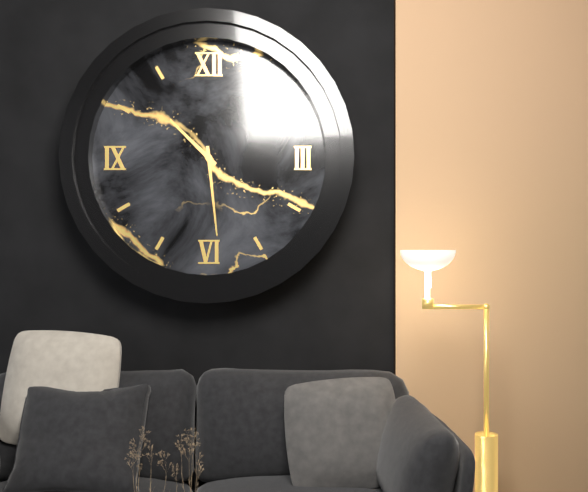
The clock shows 10h29
